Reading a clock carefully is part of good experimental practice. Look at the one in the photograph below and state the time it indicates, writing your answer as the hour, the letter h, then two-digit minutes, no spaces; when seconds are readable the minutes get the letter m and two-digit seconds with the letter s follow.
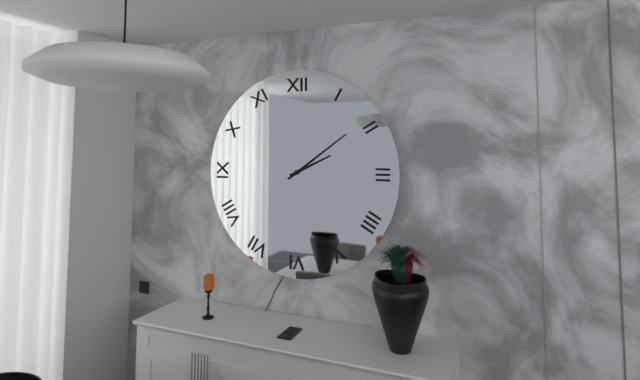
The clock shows 2h09
